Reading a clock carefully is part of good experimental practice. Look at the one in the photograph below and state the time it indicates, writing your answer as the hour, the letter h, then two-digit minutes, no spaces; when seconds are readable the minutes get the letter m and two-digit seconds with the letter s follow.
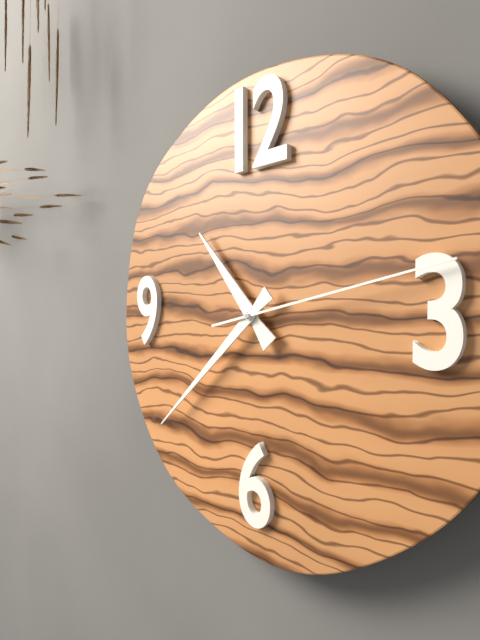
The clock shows 10h38m13s
